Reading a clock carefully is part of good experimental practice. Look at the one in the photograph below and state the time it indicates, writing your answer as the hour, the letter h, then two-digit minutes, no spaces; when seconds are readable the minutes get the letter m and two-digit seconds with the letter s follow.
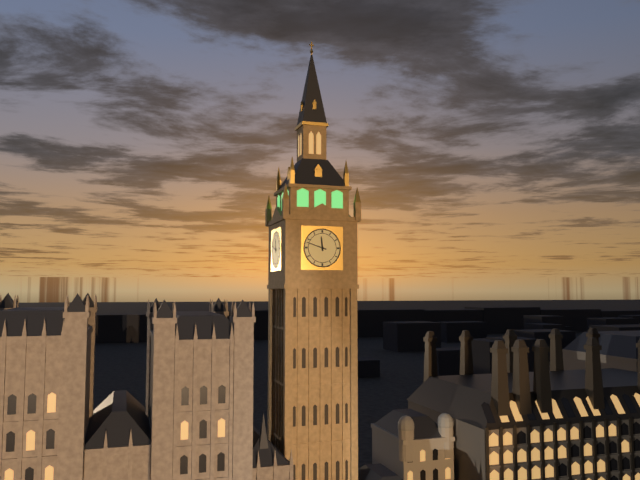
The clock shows 11h48
